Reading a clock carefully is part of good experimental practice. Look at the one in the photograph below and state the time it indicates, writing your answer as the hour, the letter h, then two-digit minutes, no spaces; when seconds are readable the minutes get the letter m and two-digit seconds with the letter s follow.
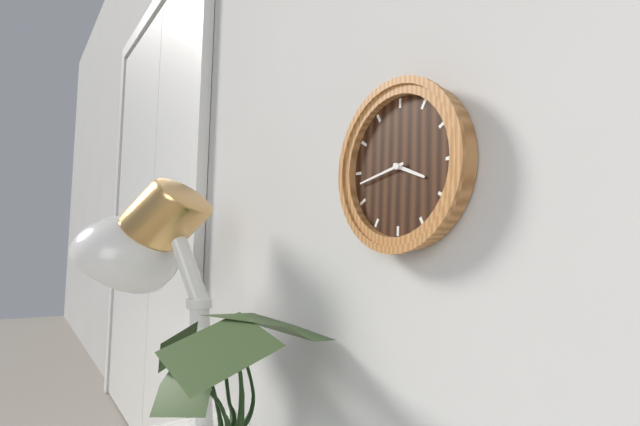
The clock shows 3h43
